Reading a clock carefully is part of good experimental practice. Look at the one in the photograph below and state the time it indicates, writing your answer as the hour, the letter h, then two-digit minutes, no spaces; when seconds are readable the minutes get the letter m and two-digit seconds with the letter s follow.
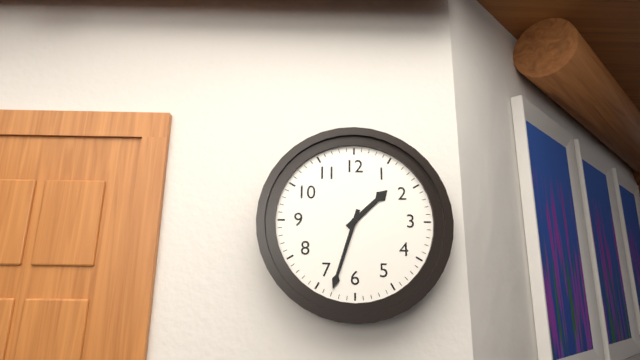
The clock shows 1h33
